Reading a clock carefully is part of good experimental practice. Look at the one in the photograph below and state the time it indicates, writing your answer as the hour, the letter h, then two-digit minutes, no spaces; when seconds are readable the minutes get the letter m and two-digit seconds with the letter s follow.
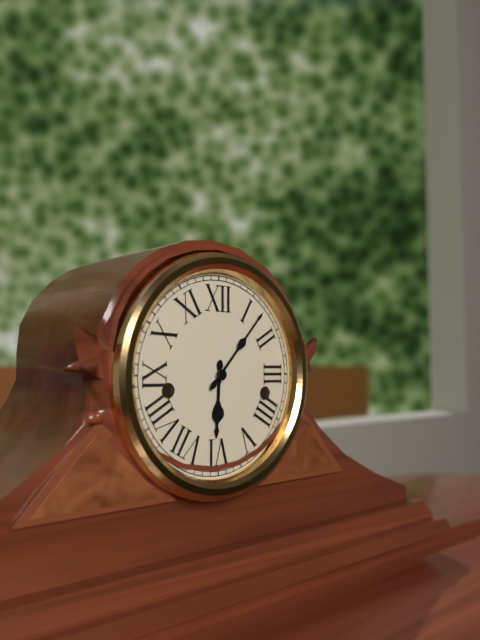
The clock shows 6h07
